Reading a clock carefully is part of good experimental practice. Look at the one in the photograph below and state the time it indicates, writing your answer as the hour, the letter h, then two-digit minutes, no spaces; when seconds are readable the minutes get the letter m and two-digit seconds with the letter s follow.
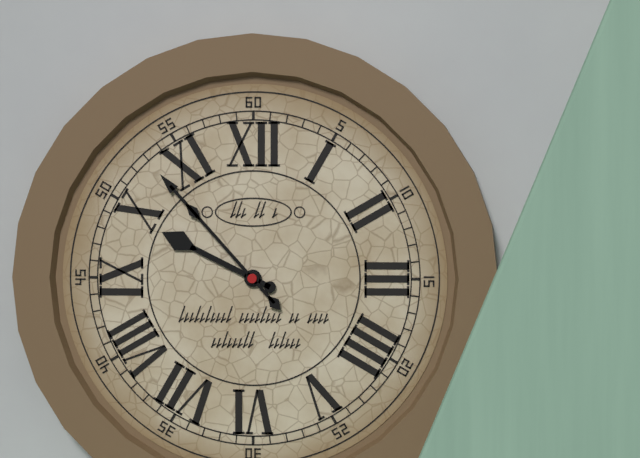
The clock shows 9h53
